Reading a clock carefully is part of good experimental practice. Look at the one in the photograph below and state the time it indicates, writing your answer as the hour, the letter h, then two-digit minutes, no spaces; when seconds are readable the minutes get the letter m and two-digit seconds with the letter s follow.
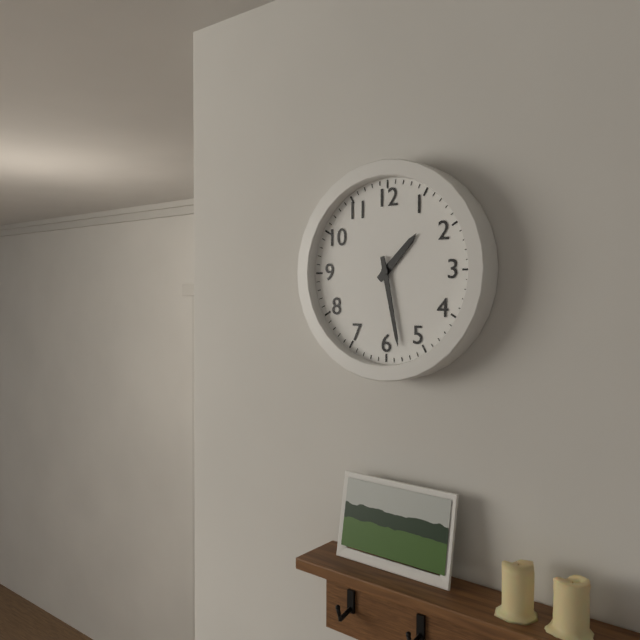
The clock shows 1h28
